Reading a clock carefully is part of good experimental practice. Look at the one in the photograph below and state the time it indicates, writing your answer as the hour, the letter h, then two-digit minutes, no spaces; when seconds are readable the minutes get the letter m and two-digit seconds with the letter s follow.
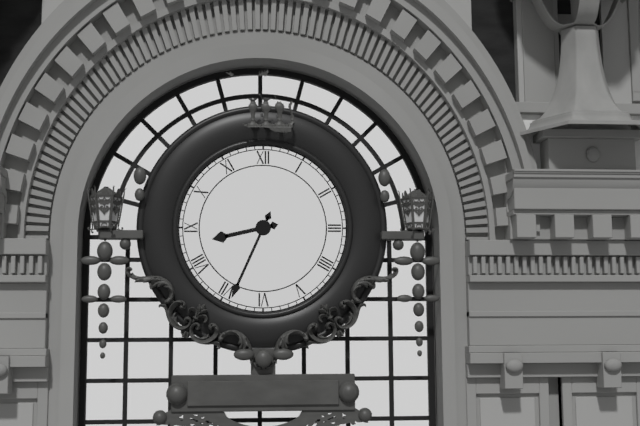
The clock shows 8h34
